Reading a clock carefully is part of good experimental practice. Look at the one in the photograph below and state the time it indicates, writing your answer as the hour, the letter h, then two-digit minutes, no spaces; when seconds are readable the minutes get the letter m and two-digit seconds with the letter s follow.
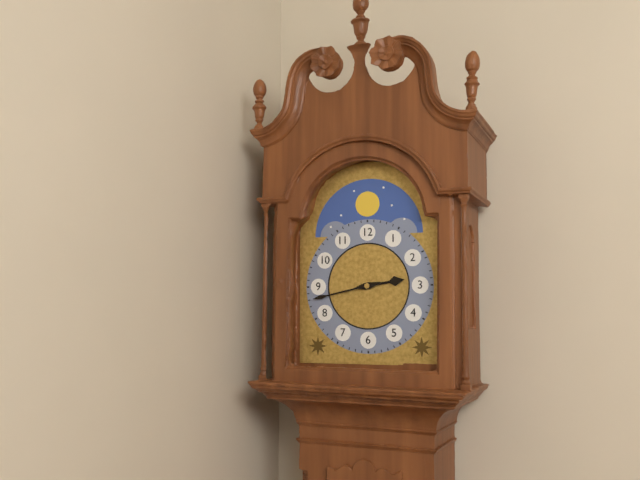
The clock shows 2h43
